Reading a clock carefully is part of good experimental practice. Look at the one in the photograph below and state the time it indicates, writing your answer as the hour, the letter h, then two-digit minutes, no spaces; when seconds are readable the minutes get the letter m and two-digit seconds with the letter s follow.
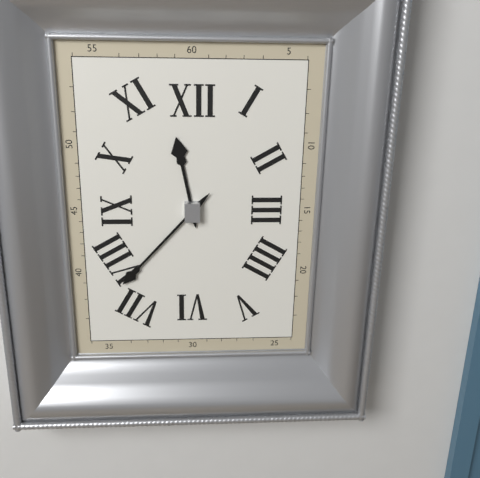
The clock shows 11h37
